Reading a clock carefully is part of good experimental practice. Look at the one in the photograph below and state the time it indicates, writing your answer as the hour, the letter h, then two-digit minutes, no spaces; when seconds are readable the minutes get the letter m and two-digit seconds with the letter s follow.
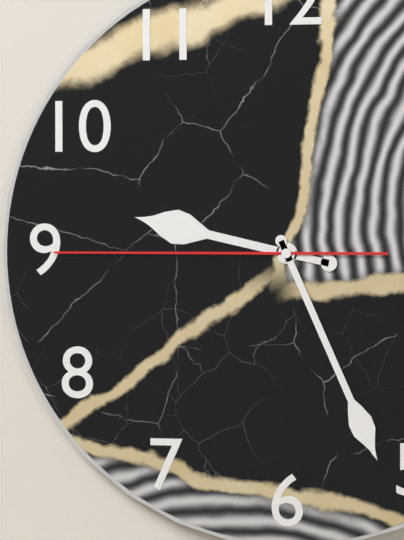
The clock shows 9h26m45s
